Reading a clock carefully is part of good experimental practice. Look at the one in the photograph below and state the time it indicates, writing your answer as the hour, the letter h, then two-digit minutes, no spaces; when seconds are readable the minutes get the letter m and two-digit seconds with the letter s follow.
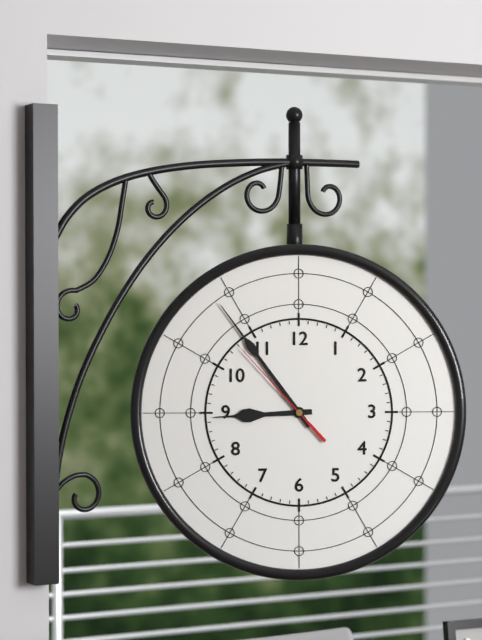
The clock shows 8h54m53s
